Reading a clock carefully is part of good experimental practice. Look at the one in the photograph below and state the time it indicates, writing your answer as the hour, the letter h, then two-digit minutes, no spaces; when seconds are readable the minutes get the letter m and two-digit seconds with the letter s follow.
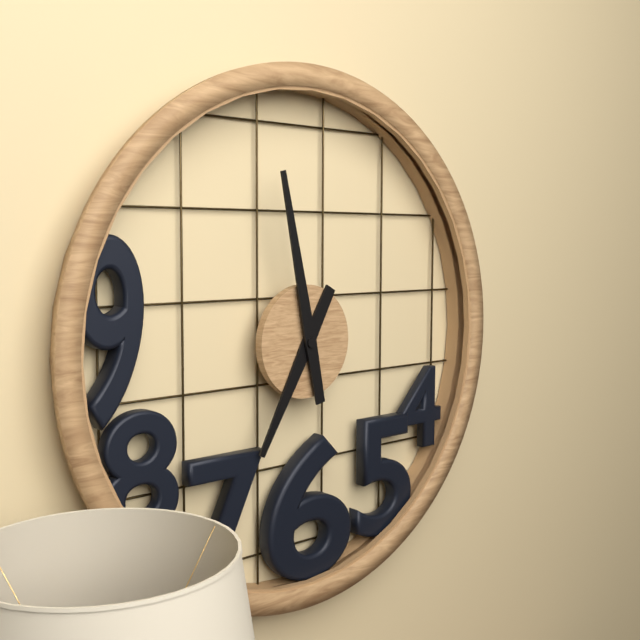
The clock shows 6h58
